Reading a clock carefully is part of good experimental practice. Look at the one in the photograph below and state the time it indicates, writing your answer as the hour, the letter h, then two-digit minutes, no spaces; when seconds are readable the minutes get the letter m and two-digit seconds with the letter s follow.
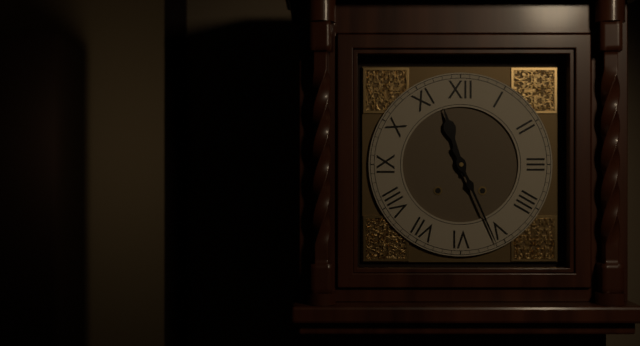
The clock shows 11h26
